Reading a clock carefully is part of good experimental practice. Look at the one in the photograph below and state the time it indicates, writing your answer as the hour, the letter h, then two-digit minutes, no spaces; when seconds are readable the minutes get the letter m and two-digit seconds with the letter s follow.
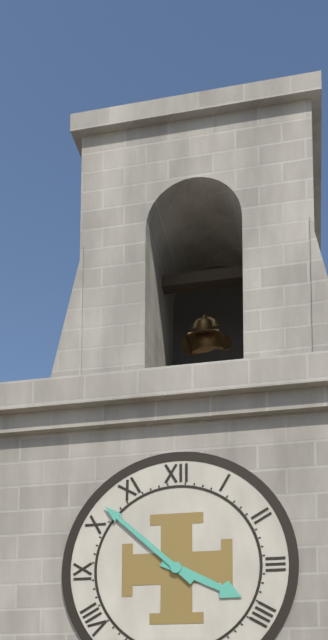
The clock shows 3h52
